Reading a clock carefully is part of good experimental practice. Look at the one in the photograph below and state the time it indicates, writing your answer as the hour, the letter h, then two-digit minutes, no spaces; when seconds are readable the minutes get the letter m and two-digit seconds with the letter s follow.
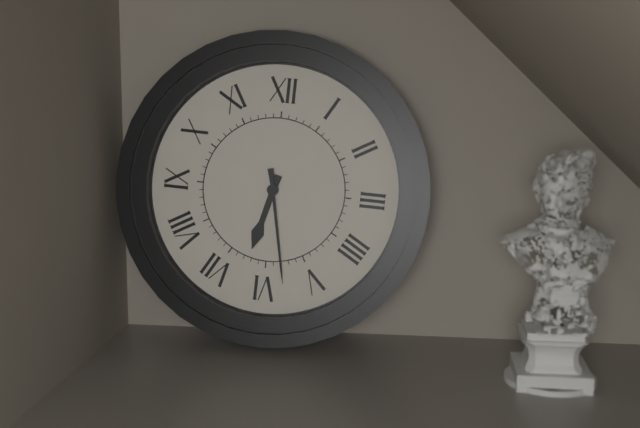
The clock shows 6h28
